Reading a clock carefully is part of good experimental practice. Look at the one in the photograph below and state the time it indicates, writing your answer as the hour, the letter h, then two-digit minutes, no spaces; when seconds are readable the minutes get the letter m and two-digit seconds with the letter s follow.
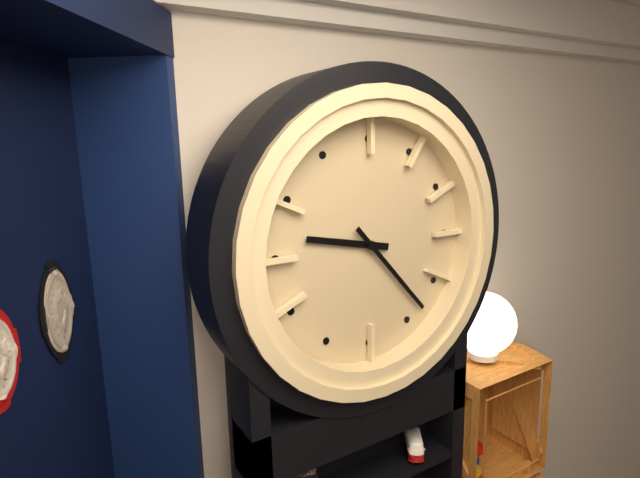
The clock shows 9h23
